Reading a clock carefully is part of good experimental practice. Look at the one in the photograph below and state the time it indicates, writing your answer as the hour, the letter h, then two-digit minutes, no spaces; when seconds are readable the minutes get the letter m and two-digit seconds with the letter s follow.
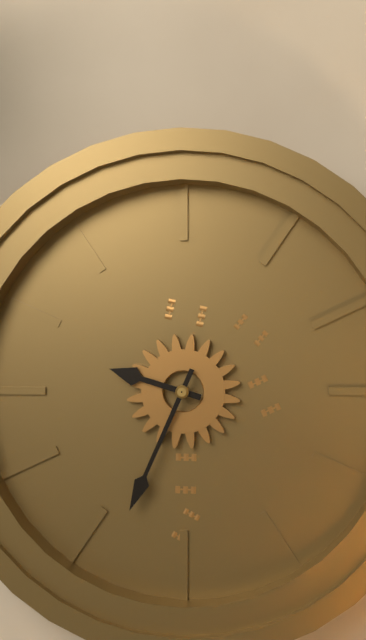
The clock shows 9h34
